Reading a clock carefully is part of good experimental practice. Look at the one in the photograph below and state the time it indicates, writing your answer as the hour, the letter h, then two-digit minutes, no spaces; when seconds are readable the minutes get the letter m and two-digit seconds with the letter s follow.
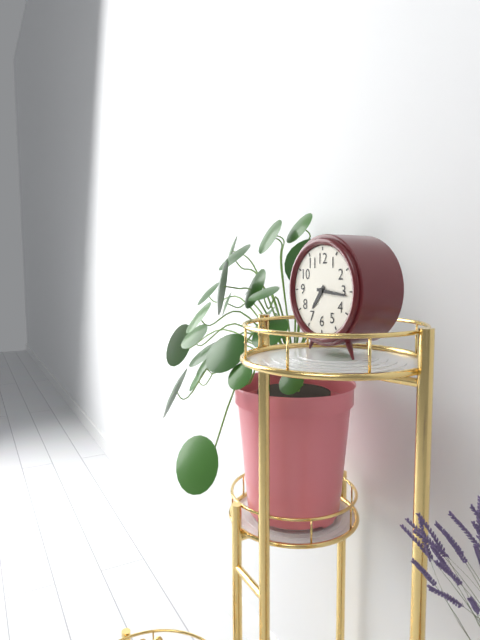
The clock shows 7h16
